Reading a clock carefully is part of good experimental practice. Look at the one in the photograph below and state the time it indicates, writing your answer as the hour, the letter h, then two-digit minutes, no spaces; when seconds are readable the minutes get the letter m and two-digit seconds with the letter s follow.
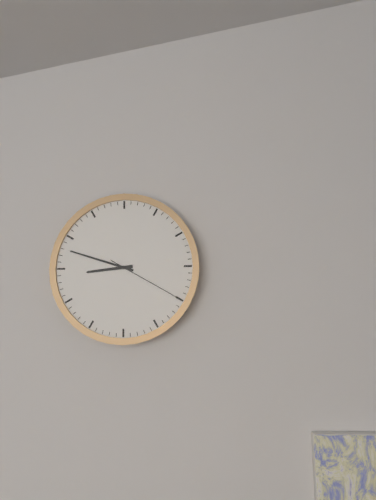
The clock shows 8h48m20s
